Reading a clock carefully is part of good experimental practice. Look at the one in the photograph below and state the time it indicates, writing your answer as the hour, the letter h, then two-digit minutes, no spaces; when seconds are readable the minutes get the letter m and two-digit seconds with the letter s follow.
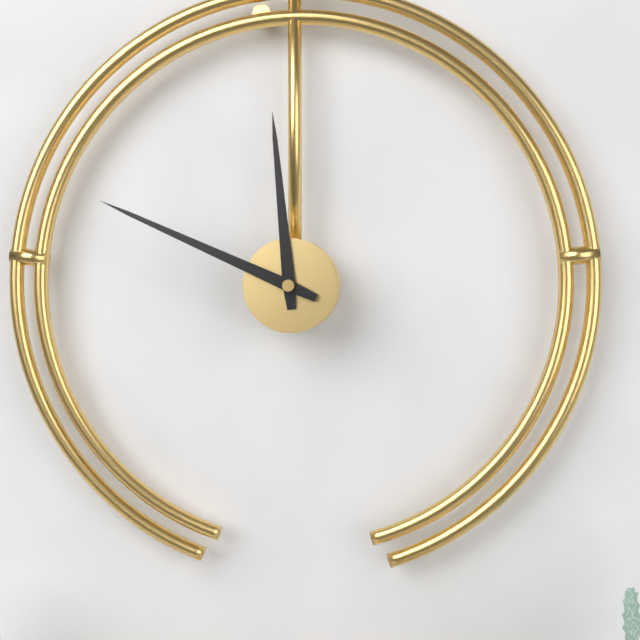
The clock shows 11h49
